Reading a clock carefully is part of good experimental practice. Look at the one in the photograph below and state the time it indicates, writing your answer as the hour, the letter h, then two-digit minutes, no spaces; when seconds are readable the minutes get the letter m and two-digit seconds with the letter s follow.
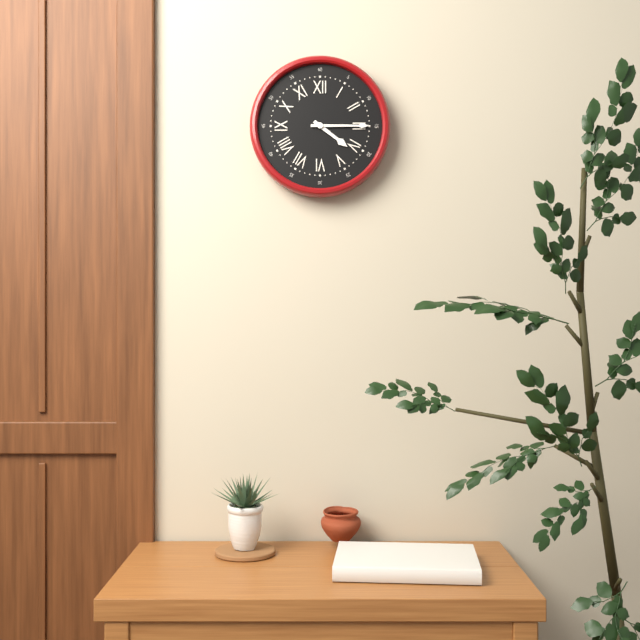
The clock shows 4h15
